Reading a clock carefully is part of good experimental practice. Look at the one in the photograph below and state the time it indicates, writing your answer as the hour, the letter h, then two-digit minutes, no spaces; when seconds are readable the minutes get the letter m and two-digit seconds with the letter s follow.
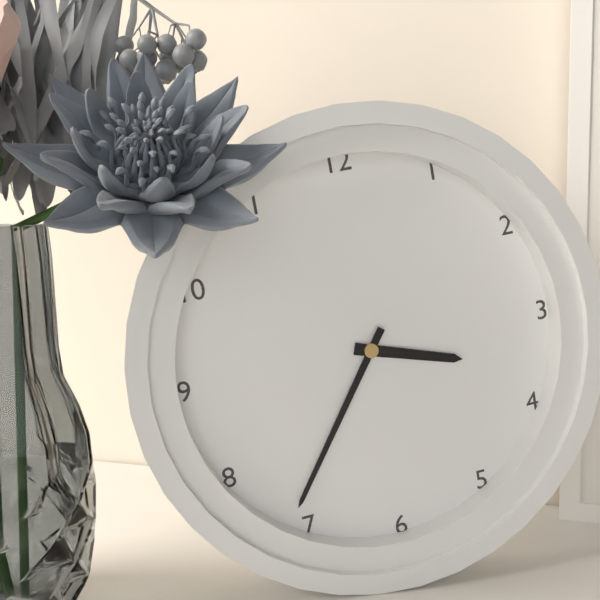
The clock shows 3h36
